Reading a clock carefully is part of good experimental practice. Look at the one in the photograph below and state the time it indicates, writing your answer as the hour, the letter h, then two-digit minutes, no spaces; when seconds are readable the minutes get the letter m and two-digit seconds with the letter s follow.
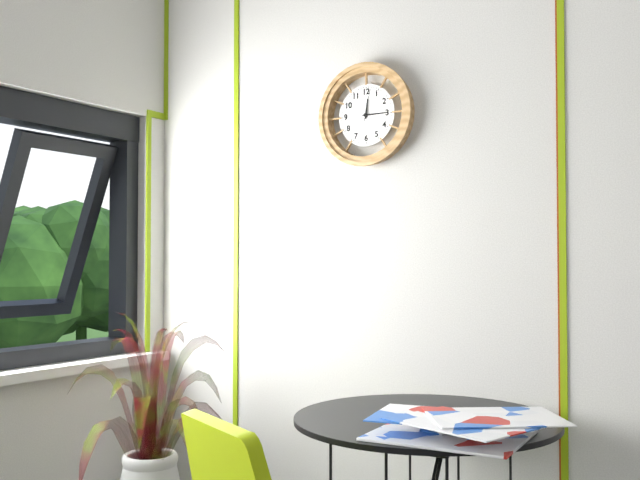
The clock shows 12h15
